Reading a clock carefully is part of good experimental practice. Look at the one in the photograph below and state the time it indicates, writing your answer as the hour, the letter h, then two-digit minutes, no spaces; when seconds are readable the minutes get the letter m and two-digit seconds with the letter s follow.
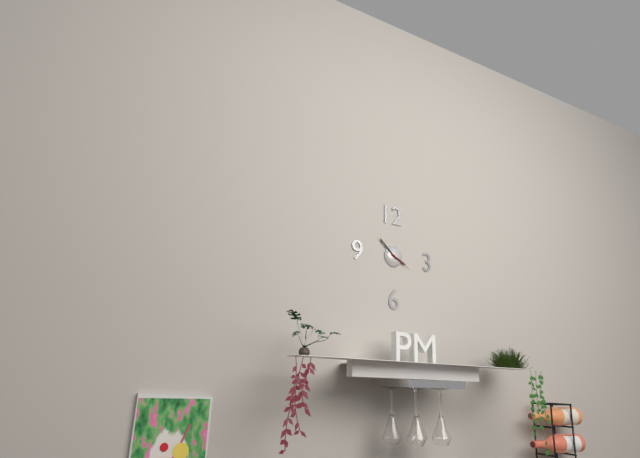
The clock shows 3h52
